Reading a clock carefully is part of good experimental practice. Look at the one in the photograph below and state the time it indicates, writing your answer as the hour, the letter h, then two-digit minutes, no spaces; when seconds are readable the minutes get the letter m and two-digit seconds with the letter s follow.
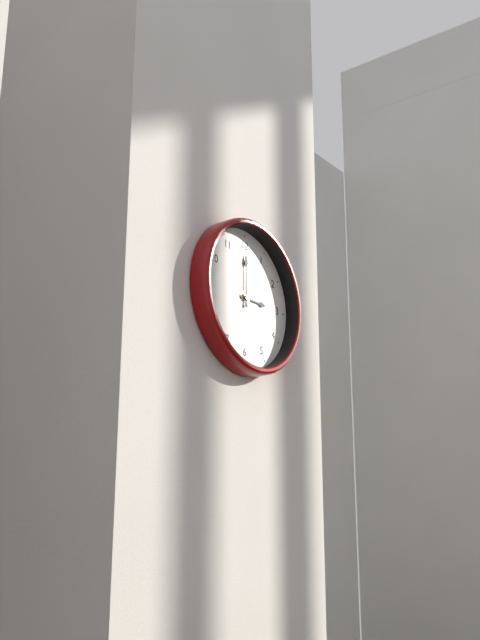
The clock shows 3h00m21s
